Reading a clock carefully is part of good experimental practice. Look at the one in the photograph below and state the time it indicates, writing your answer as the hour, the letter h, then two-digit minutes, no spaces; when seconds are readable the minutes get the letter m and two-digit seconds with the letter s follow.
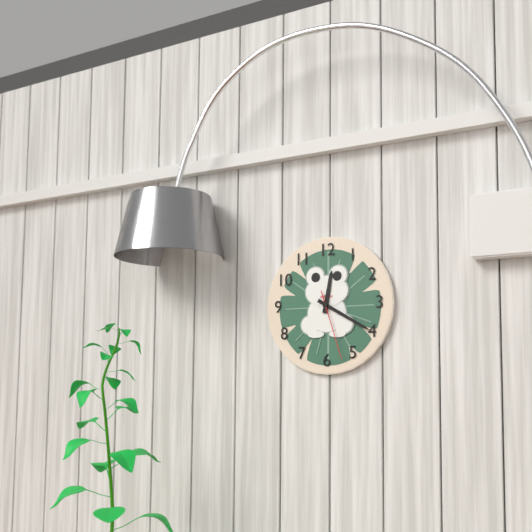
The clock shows 12h20m27s
